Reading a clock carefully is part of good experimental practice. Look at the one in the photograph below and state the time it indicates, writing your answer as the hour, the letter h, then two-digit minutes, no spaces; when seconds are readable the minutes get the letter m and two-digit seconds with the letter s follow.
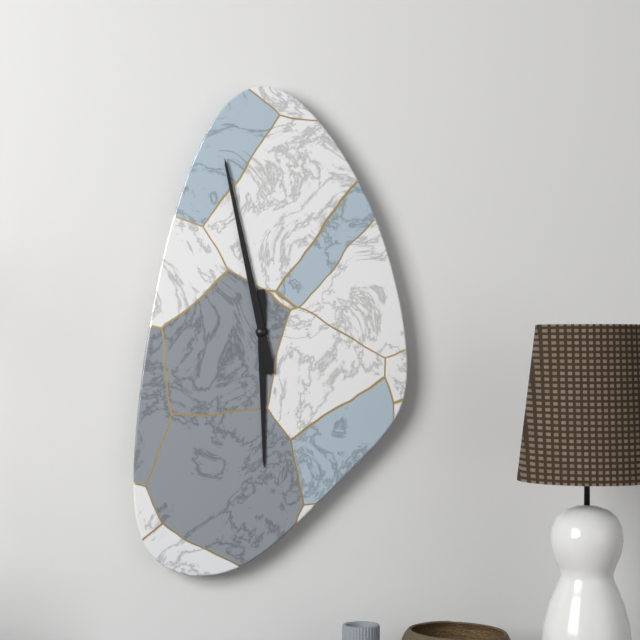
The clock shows 5h58
